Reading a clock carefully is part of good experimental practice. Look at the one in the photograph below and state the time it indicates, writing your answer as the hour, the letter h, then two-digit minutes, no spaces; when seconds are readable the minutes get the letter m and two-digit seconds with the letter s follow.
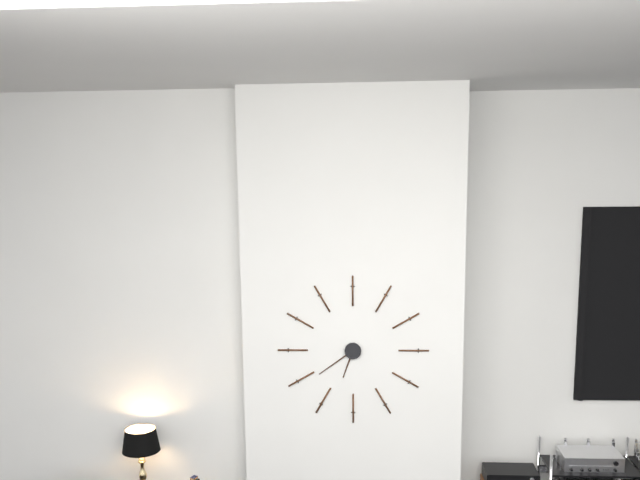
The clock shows 6h39
